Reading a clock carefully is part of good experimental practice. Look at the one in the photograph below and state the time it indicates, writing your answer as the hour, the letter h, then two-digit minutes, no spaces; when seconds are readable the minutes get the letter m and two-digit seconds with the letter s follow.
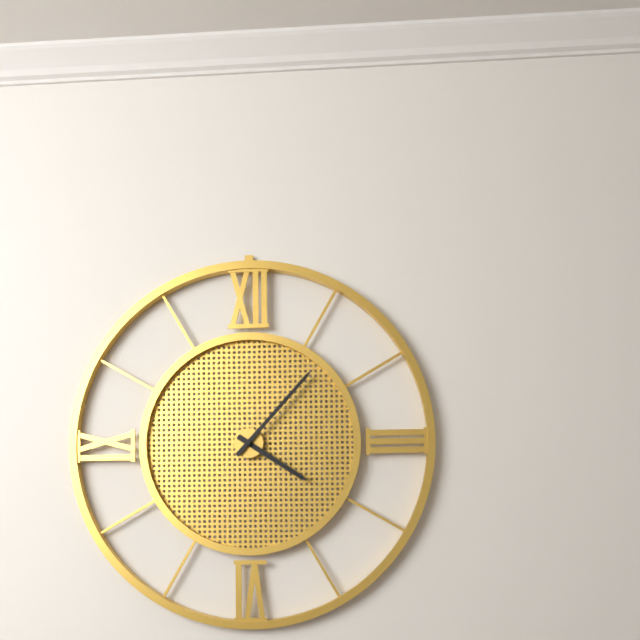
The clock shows 4h07
